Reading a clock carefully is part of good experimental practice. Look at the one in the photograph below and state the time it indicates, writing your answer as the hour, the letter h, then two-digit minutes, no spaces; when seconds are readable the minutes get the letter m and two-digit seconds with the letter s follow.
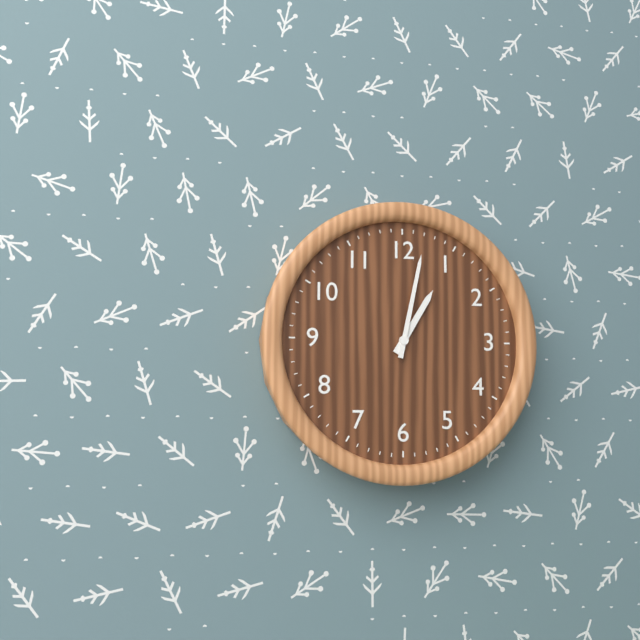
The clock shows 1h02
